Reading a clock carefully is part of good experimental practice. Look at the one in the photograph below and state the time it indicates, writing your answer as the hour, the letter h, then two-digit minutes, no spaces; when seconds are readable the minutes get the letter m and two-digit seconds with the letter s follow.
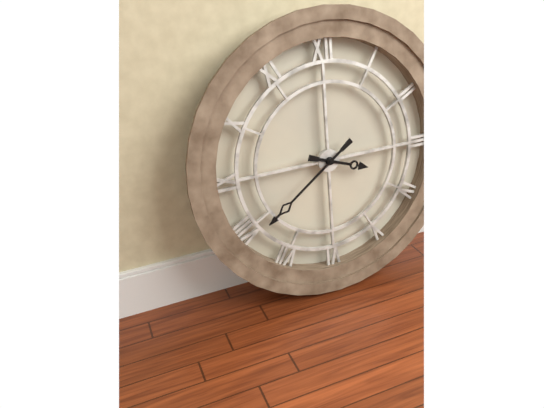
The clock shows 3h39
